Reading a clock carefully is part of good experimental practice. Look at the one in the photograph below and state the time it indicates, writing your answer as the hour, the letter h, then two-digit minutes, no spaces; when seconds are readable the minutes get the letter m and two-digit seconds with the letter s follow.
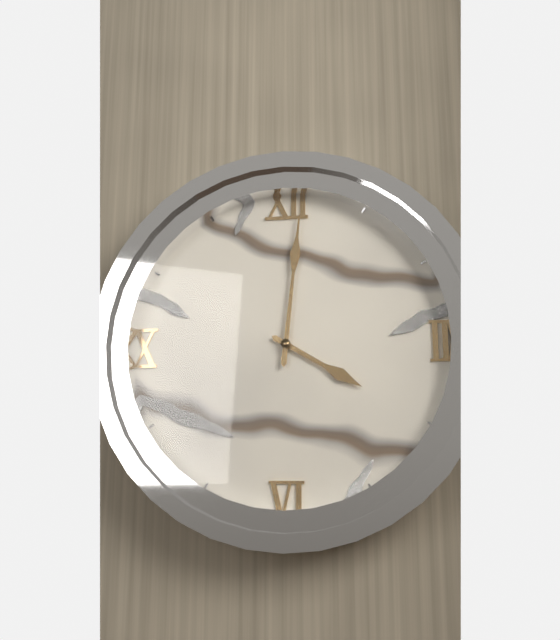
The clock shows 4h01
